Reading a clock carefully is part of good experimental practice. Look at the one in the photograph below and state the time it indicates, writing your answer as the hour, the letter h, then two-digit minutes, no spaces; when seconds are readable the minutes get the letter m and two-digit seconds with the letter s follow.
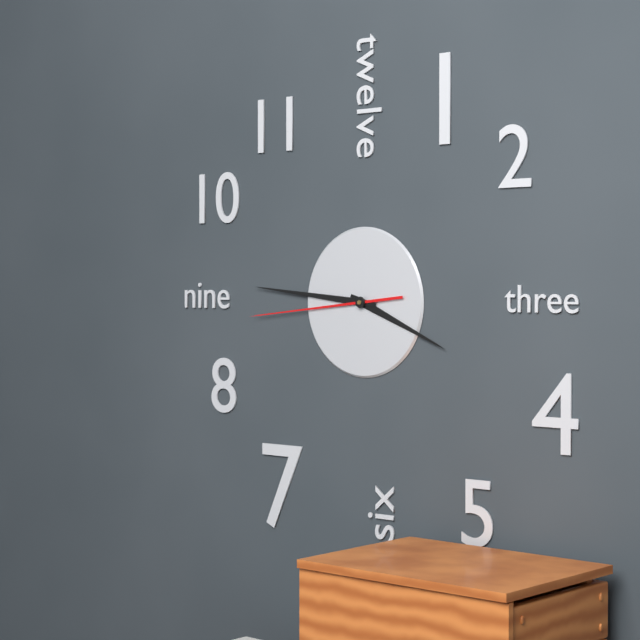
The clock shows 3h46m44s
